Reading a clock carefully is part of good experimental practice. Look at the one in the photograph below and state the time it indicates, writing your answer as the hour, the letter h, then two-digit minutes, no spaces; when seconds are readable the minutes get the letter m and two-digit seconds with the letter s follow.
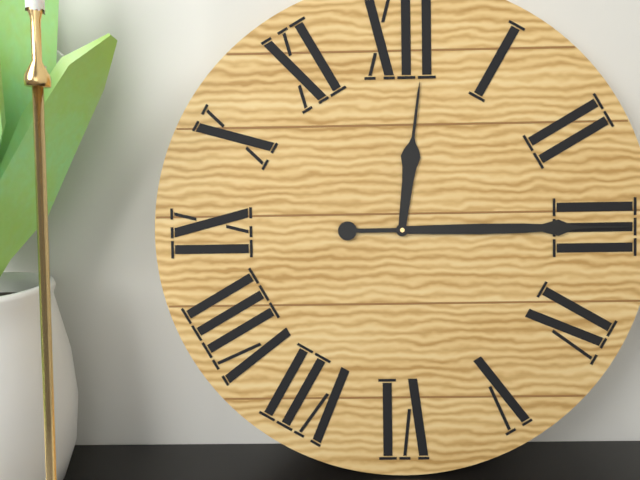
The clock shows 12h15
